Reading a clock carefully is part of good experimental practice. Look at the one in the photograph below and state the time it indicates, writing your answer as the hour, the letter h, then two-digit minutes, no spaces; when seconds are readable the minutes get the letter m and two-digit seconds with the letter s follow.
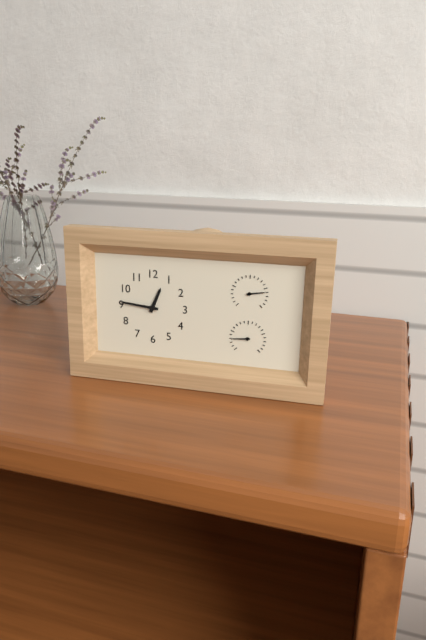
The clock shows 12h46
